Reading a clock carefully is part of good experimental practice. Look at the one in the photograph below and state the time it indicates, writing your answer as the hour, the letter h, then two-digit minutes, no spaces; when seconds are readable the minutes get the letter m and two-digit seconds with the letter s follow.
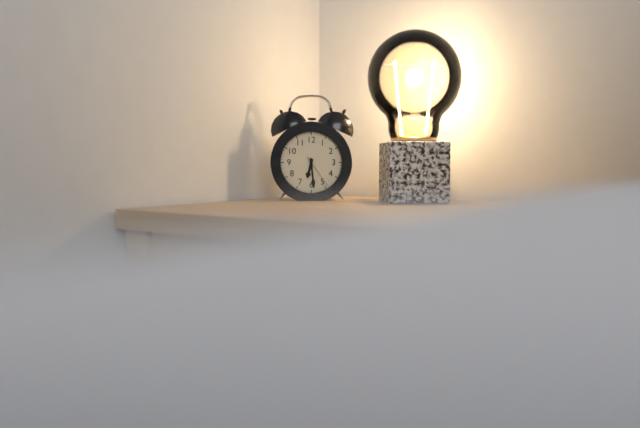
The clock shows 6h29
